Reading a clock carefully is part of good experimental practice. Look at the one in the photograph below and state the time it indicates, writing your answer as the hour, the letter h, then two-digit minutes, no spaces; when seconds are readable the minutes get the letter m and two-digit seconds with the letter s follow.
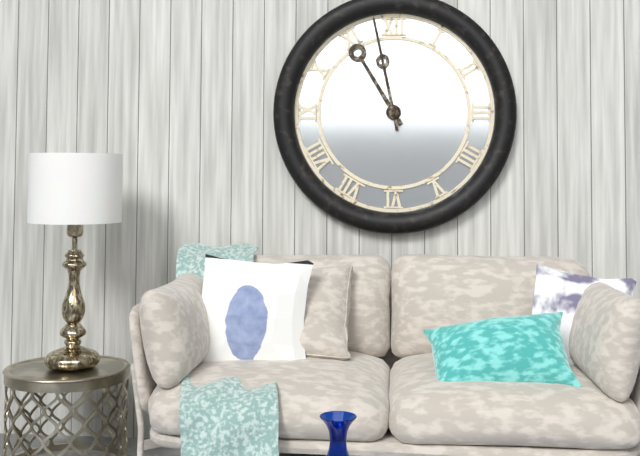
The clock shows 10h58
